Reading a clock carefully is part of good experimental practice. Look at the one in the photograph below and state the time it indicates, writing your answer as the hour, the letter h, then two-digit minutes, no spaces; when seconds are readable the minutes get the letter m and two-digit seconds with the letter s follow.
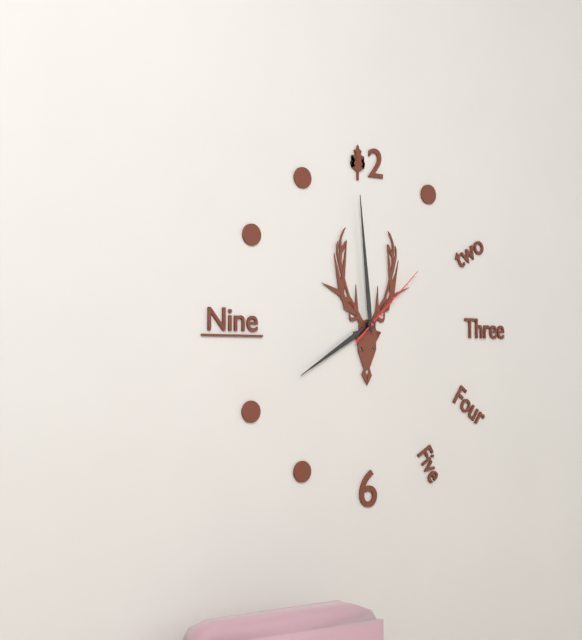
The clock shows 7h59m08s
